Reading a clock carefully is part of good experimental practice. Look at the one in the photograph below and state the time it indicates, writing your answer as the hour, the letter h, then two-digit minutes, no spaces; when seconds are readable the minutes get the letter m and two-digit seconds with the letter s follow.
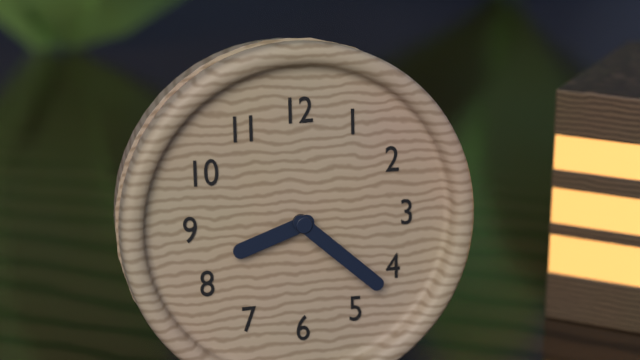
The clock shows 8h22
